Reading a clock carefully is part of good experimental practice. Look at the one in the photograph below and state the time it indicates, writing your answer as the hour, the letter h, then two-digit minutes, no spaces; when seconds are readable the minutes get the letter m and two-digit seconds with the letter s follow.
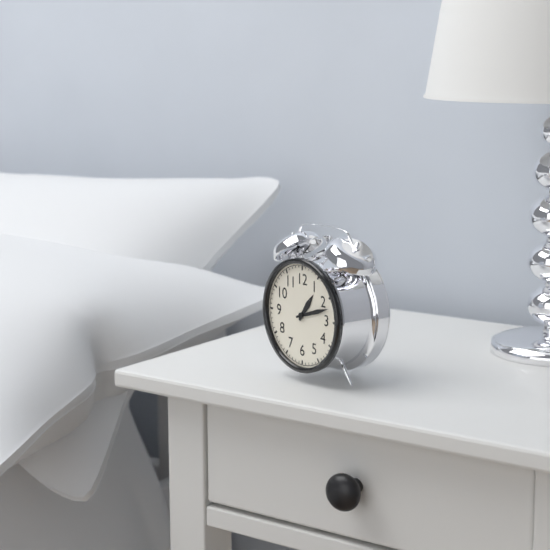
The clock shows 1h12
